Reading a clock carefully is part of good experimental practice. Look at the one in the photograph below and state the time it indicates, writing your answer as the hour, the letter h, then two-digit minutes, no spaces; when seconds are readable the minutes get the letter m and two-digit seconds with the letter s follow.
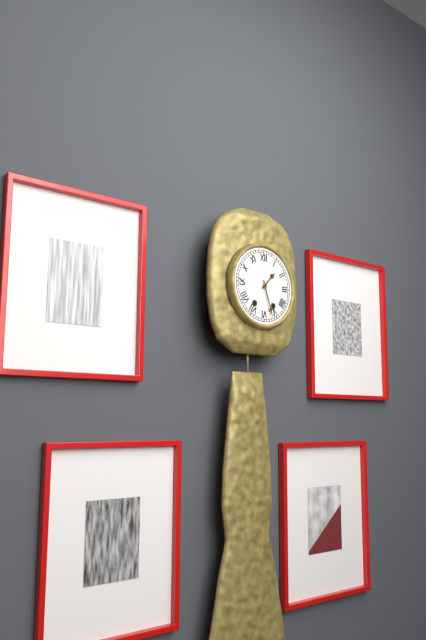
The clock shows 1h27
